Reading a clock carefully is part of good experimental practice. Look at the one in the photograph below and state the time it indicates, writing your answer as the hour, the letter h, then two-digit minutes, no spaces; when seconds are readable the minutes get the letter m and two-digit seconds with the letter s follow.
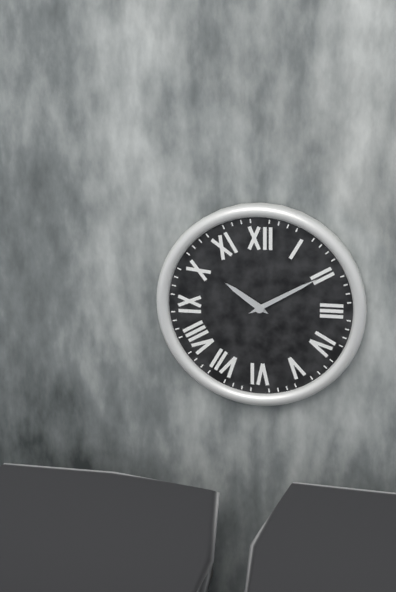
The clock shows 10h10
